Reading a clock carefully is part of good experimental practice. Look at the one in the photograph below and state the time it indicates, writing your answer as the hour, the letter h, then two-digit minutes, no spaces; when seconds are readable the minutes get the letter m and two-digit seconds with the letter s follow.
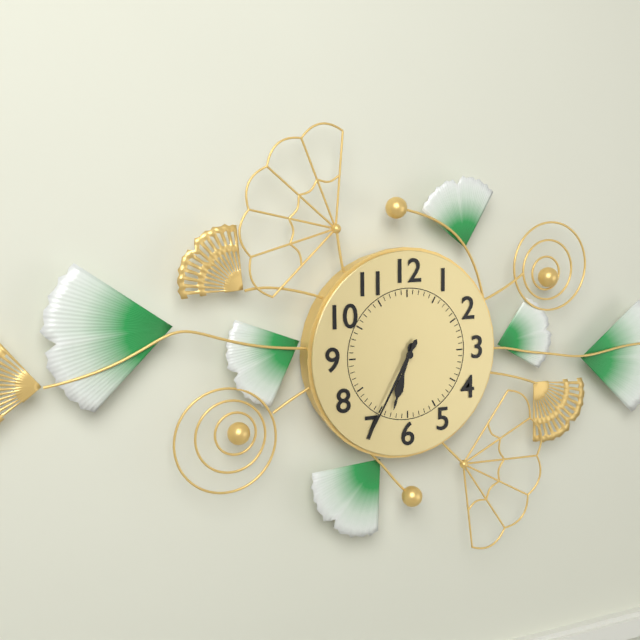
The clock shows 6h35
